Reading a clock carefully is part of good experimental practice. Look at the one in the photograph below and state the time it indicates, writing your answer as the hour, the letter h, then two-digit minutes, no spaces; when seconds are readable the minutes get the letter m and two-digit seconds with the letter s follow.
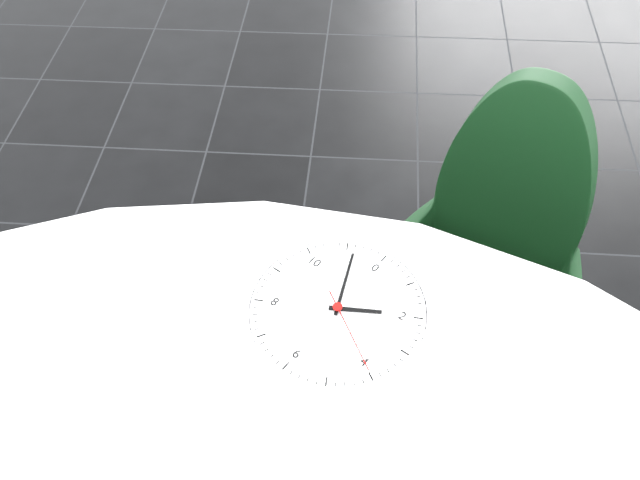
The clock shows 1h56m20s
